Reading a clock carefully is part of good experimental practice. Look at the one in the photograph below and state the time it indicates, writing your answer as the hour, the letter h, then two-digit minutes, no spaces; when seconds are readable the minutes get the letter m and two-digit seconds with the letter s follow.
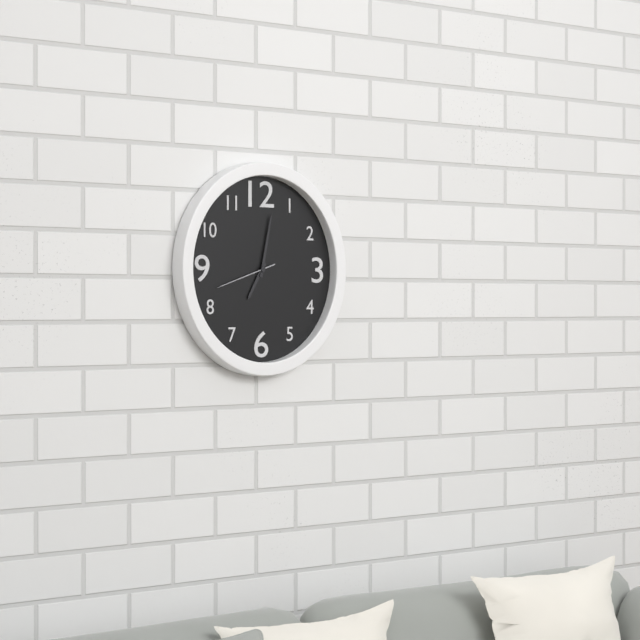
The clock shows 7h02m42s
